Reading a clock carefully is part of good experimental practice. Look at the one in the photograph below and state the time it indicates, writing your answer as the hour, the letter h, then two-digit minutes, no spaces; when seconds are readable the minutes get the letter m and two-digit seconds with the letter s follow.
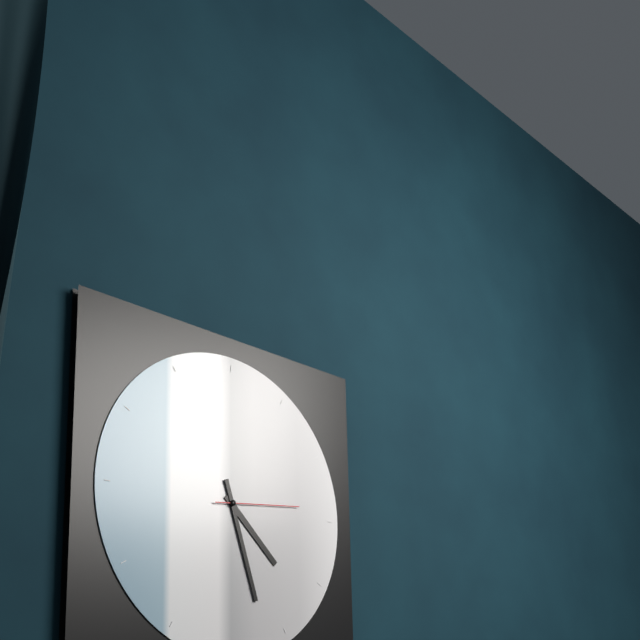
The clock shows 4h27m14s
